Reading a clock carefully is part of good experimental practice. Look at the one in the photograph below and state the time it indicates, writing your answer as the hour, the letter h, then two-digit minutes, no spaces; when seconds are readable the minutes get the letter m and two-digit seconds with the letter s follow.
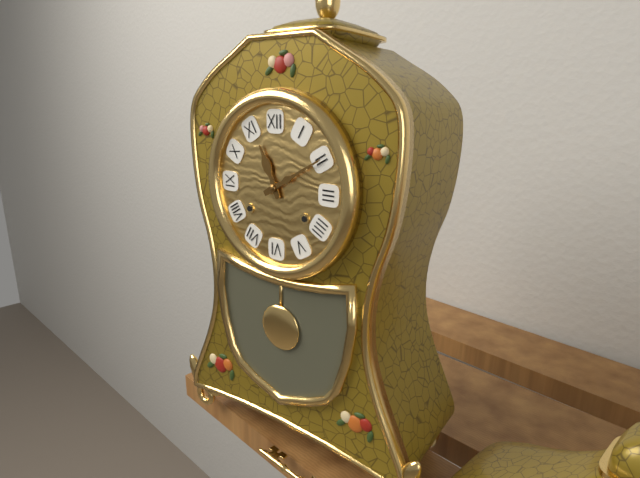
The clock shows 11h10
